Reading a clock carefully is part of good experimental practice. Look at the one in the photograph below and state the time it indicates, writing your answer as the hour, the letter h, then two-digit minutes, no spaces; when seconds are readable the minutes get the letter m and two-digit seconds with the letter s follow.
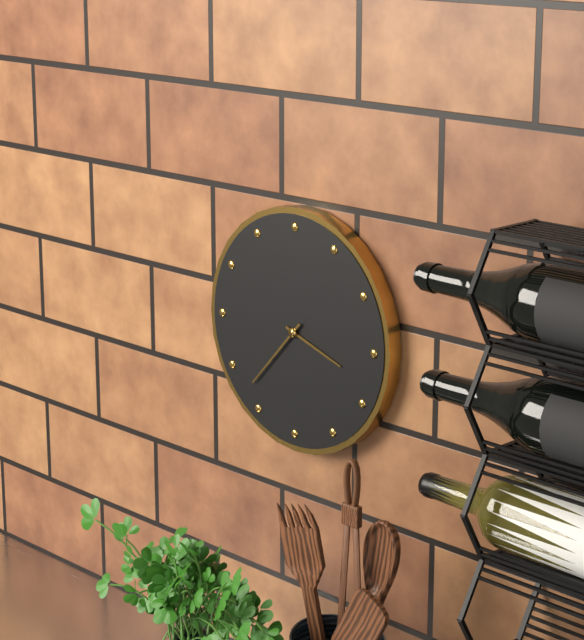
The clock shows 3h37
